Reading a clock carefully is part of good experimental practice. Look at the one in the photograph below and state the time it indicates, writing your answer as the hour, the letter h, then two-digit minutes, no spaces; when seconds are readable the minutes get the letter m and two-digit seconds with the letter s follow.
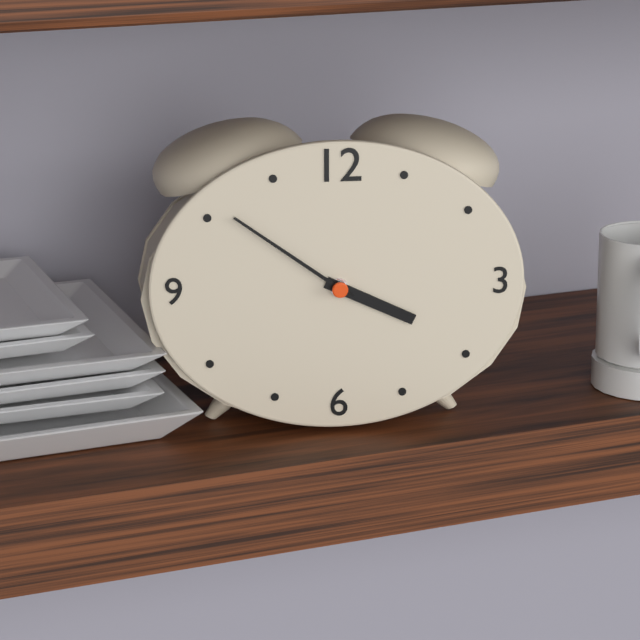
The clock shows 3h51
